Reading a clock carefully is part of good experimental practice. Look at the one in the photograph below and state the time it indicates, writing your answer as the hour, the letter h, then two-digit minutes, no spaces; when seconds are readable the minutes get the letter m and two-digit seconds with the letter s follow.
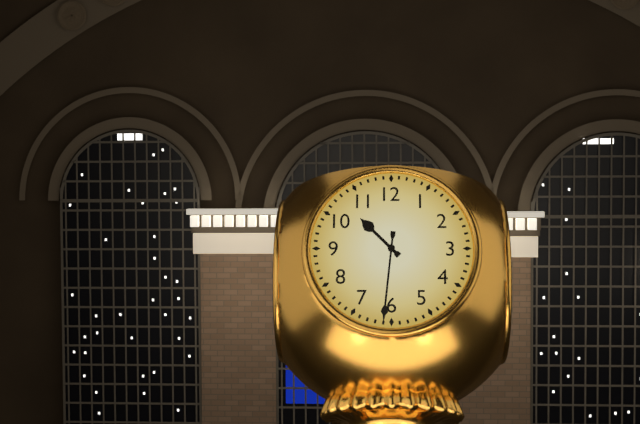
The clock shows 10h31
